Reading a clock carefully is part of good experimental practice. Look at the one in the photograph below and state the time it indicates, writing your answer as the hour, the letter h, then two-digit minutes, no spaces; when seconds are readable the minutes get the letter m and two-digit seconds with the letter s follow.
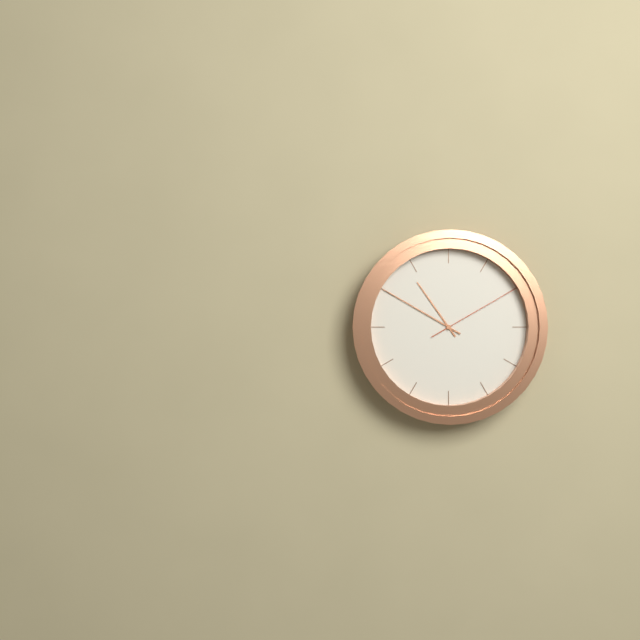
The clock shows 10h50m10s
